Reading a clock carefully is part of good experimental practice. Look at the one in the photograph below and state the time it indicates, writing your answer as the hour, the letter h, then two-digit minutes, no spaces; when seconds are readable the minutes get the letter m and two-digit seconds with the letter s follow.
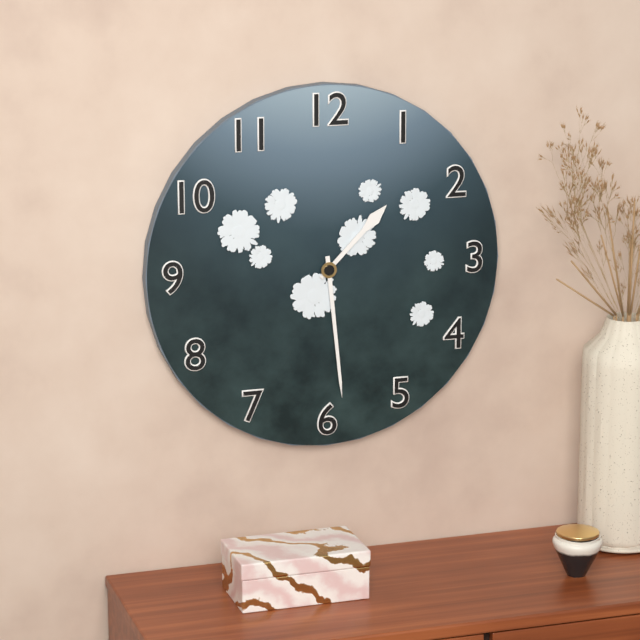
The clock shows 1h29
